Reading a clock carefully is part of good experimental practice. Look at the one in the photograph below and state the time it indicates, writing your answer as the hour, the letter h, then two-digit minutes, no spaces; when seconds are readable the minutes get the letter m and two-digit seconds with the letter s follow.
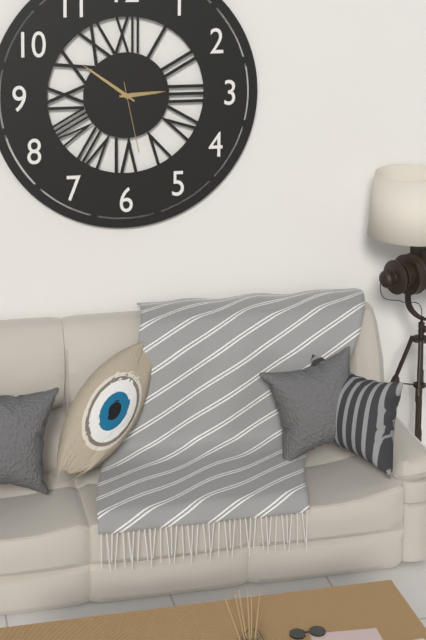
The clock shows 2h51m28s
